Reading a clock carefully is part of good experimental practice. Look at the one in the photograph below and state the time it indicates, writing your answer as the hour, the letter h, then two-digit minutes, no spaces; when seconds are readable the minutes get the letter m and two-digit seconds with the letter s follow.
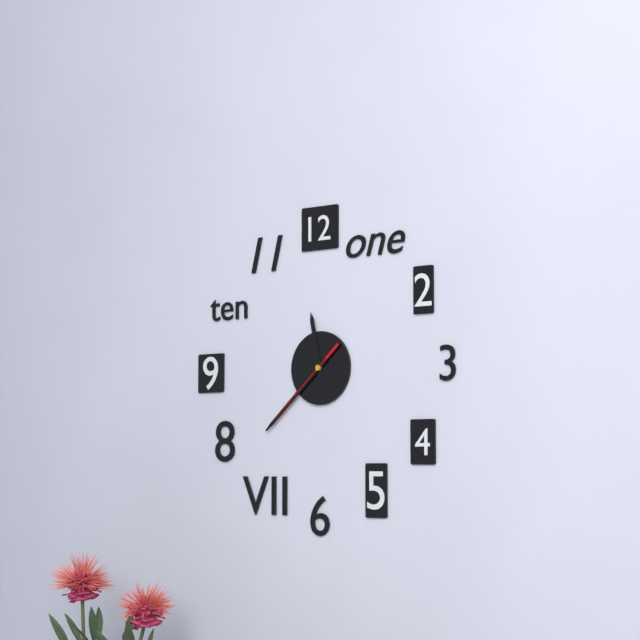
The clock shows 11h38m38s
